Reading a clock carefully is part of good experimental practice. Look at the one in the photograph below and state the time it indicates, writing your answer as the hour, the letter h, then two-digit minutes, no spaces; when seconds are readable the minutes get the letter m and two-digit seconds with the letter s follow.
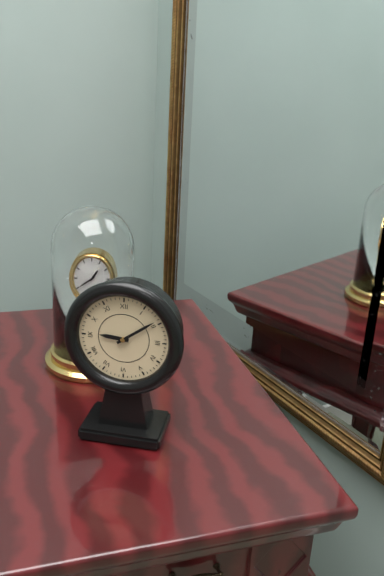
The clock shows 9h09
